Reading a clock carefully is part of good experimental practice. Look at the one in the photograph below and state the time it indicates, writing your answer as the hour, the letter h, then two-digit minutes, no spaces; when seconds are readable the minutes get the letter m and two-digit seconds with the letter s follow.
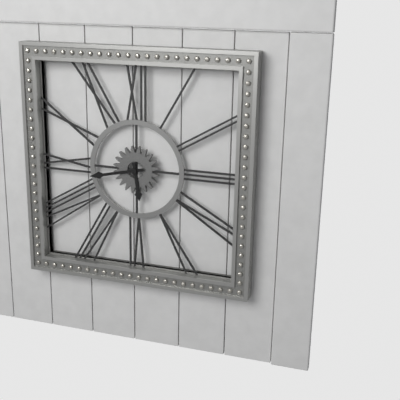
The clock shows 5h43
